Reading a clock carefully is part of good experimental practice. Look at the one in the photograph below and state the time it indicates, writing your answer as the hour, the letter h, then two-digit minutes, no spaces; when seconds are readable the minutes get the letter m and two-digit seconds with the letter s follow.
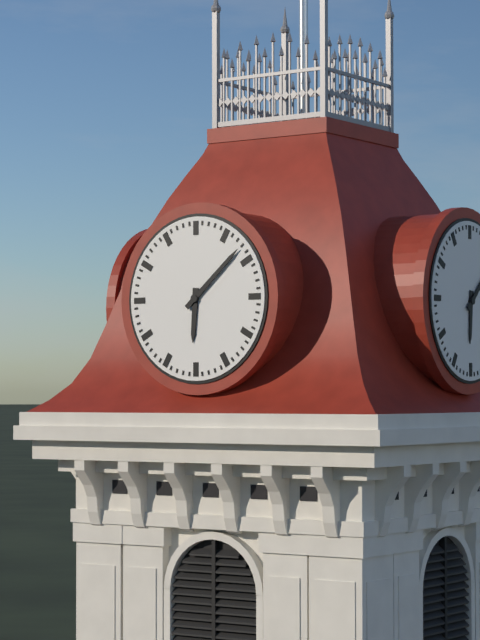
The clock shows 6h08
